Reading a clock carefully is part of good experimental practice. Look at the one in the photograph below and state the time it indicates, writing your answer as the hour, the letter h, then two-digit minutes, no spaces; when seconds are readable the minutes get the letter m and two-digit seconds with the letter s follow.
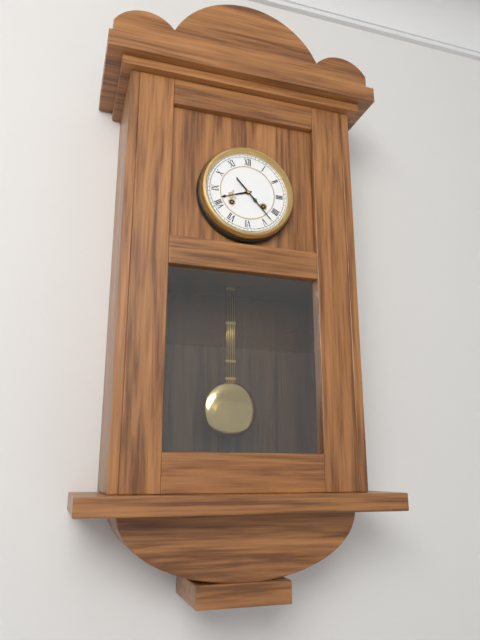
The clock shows 8h23
